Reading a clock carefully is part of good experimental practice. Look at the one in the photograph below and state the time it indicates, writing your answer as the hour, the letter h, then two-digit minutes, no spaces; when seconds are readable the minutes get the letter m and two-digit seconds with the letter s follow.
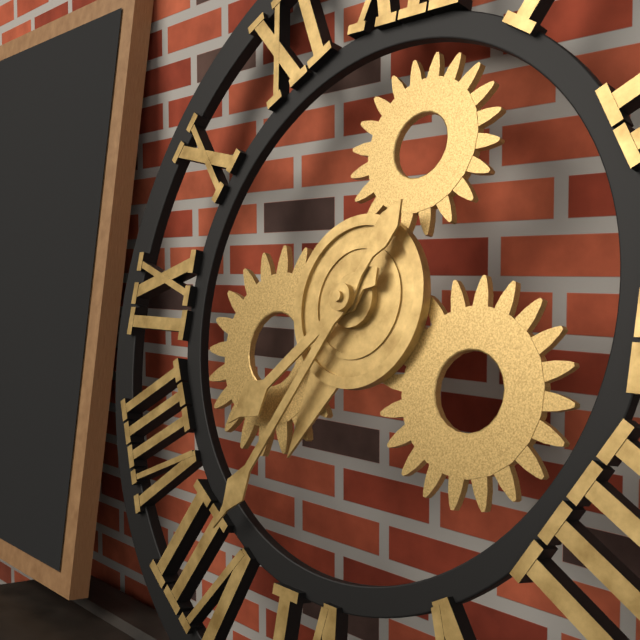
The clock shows 7h35
